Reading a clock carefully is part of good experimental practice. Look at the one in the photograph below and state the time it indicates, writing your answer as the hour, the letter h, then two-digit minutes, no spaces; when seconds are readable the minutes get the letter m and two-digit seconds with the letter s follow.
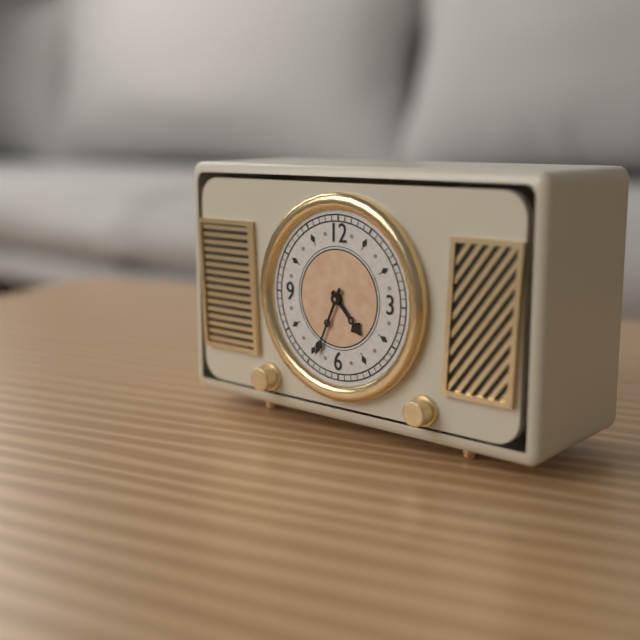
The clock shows 4h34
